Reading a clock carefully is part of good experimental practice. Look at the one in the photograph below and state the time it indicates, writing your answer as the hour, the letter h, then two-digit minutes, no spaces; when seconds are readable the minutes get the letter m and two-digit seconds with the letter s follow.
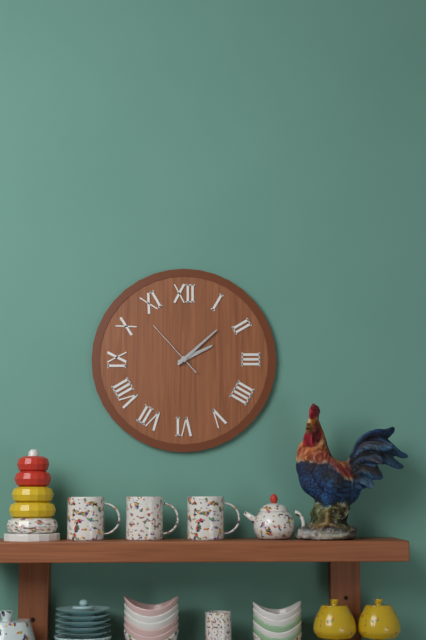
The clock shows 2h08m53s
